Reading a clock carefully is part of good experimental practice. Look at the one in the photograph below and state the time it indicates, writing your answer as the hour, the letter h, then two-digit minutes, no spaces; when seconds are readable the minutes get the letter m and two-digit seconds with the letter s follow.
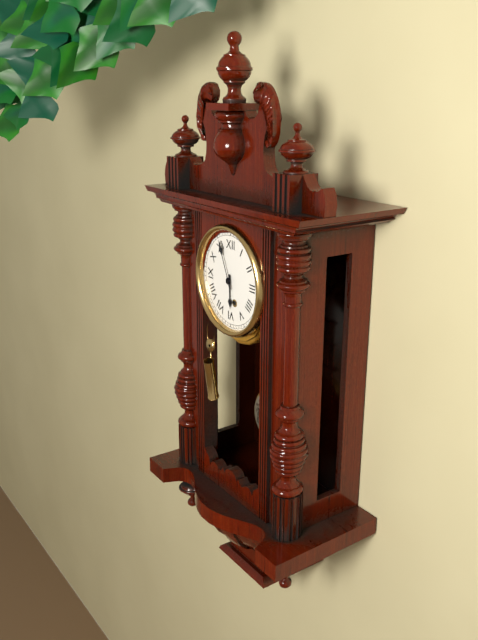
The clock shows 5h56
